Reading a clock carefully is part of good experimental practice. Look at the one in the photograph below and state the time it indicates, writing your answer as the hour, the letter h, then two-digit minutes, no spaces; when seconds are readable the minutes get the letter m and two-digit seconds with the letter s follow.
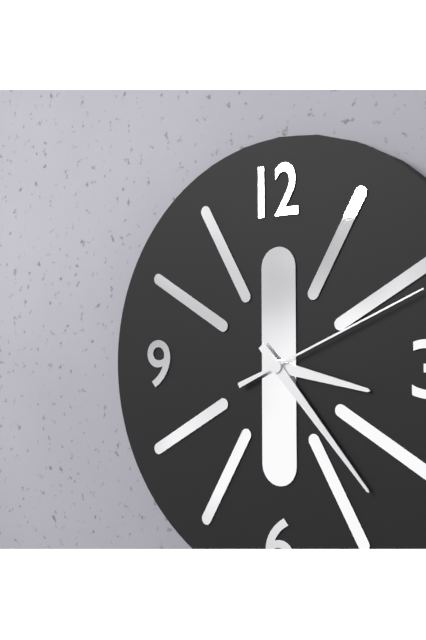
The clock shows 3h23m11s
